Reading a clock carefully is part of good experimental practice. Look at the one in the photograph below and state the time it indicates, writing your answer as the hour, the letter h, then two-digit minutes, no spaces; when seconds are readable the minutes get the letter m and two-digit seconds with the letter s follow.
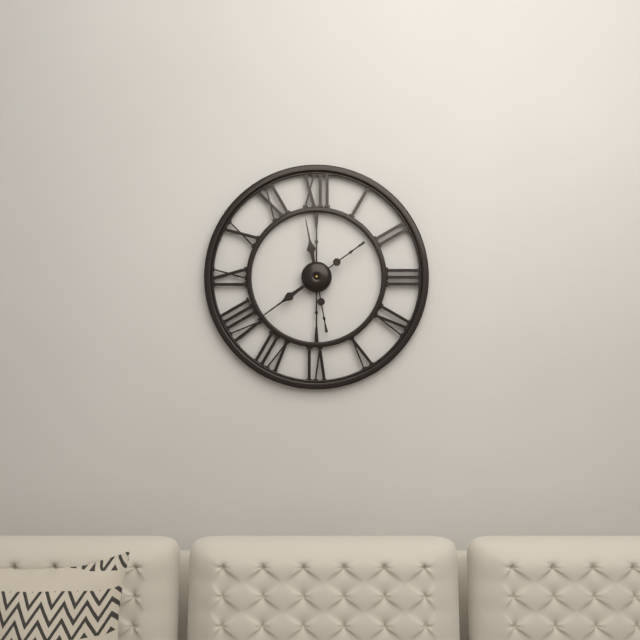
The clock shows 11h39
